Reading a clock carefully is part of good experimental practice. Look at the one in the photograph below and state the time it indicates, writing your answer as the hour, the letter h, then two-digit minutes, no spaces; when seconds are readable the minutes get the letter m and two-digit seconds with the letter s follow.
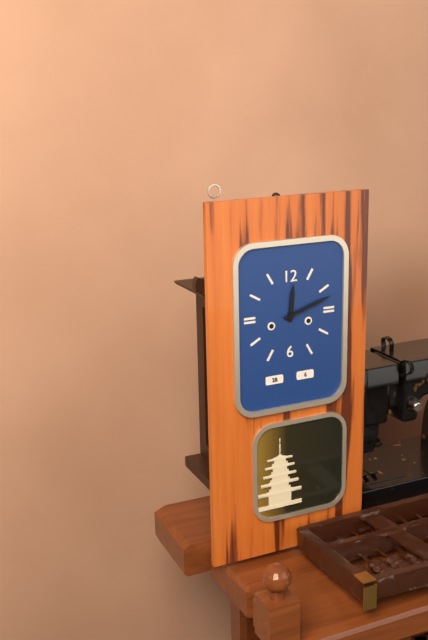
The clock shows 12h12
